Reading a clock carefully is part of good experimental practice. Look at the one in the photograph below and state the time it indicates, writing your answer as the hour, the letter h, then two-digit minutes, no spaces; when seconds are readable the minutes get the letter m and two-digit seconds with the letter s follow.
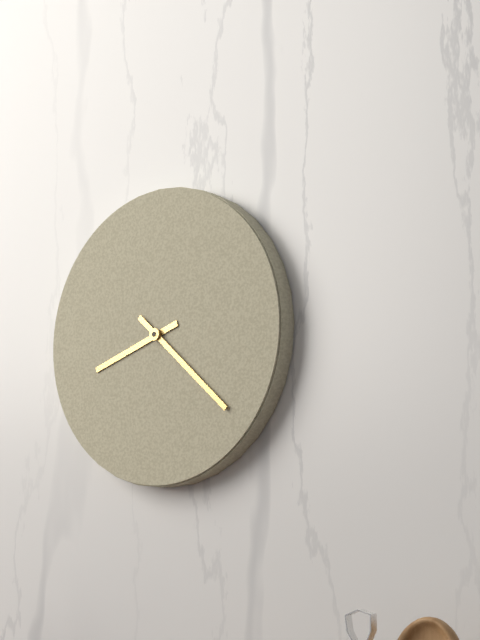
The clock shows 8h22
